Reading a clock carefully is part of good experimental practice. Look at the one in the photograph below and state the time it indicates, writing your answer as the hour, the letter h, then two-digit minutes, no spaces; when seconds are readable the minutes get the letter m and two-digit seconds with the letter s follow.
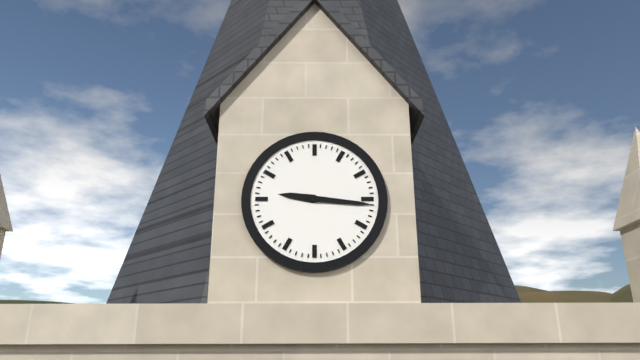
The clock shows 9h16
